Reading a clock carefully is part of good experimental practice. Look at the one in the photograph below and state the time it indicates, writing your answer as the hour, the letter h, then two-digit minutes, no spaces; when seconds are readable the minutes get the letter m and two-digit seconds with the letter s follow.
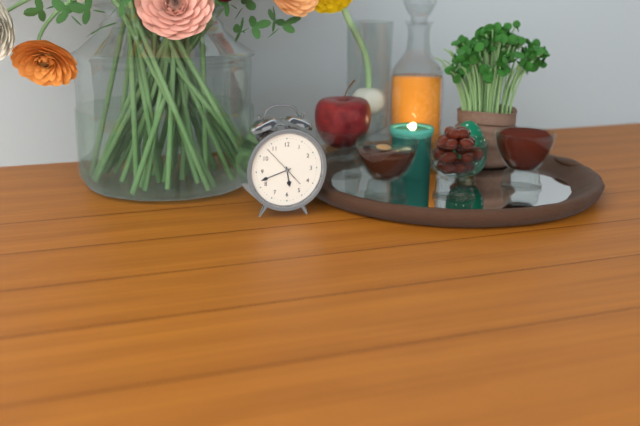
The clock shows 5h42
